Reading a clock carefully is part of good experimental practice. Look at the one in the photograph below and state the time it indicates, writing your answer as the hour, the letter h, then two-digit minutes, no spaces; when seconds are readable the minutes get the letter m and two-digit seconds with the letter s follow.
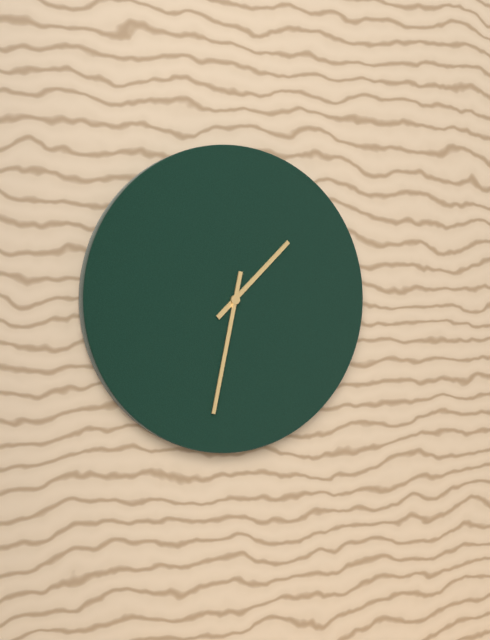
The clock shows 1h32
